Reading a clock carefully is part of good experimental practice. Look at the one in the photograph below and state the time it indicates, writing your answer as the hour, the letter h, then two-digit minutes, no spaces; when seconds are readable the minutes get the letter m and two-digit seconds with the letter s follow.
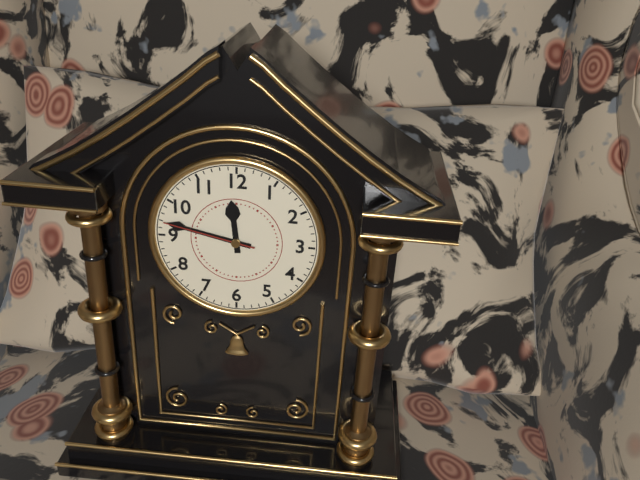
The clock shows 11h47m47s
